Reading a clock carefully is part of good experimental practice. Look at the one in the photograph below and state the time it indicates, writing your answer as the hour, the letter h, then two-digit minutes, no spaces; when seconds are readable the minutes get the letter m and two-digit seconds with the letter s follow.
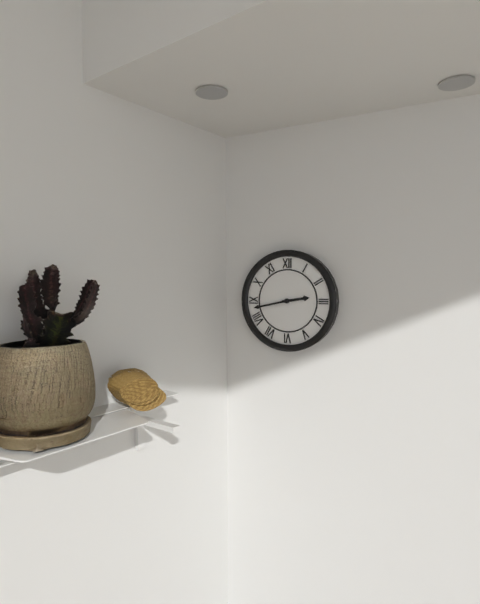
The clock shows 2h43
